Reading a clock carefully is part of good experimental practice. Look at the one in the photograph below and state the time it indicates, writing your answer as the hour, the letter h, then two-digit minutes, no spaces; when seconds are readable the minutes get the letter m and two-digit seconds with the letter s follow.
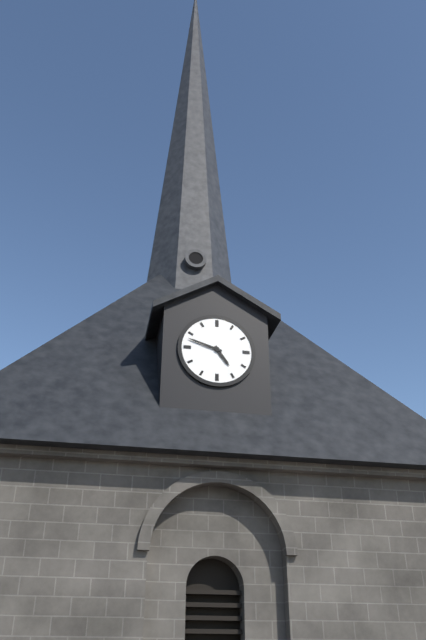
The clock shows 4h48
